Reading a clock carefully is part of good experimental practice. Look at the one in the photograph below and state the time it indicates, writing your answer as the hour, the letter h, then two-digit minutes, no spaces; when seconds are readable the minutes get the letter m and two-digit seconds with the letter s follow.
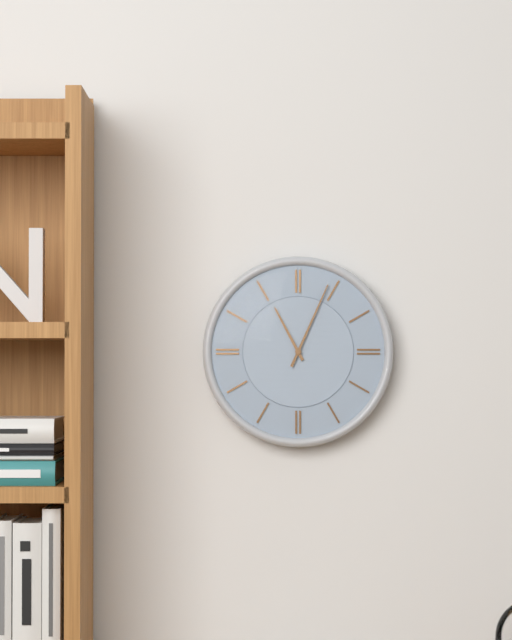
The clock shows 11h04
